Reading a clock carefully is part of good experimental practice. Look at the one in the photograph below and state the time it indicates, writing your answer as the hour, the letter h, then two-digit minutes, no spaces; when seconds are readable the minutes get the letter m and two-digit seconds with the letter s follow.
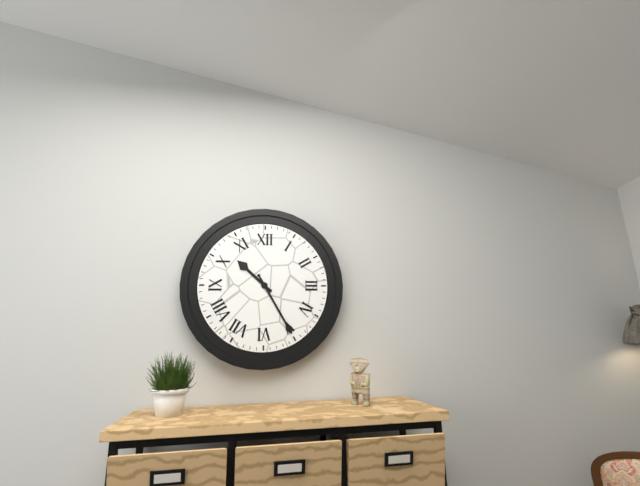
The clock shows 10h25
